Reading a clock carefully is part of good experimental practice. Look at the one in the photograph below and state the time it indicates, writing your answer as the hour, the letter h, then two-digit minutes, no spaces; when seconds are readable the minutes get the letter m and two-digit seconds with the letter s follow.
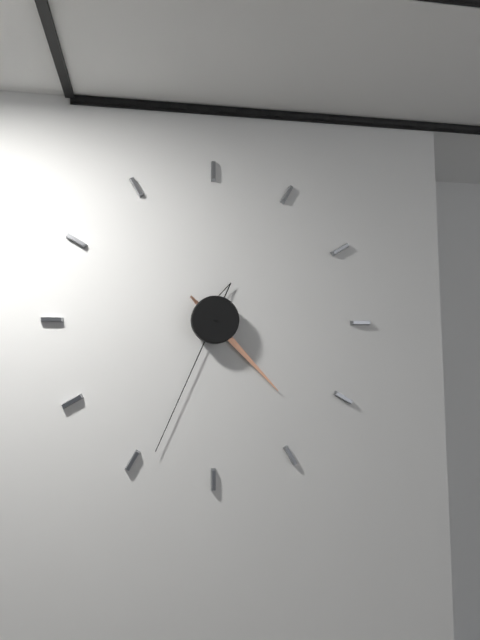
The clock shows 4h34
